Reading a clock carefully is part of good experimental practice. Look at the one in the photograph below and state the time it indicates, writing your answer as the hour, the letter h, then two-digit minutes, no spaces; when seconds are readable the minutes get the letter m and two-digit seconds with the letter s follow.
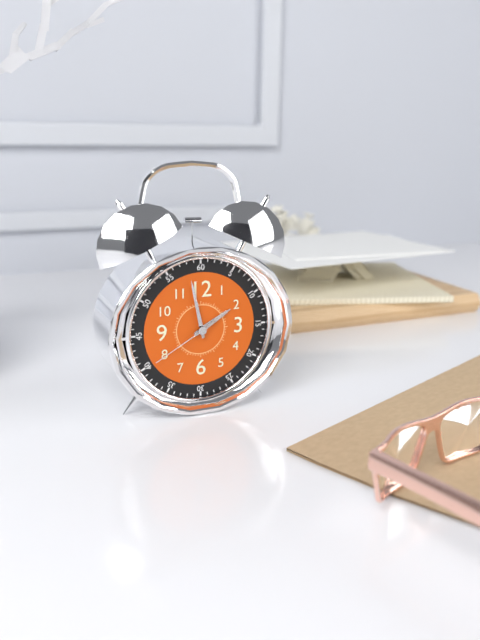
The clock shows 1h58m40s
